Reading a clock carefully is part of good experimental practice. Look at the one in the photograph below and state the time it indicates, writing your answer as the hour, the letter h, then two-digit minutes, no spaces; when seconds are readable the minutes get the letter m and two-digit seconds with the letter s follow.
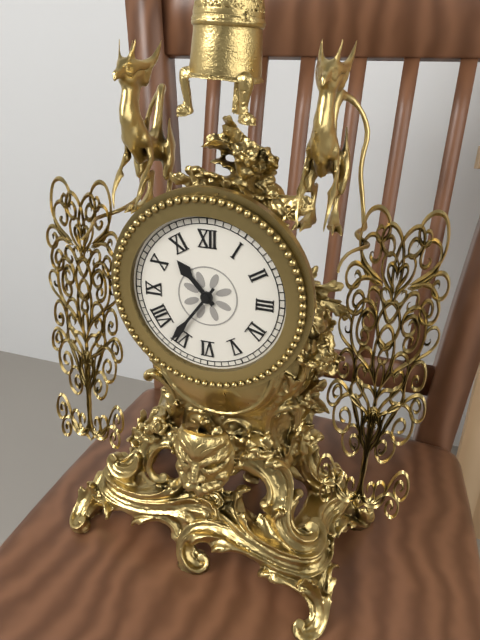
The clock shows 10h36
